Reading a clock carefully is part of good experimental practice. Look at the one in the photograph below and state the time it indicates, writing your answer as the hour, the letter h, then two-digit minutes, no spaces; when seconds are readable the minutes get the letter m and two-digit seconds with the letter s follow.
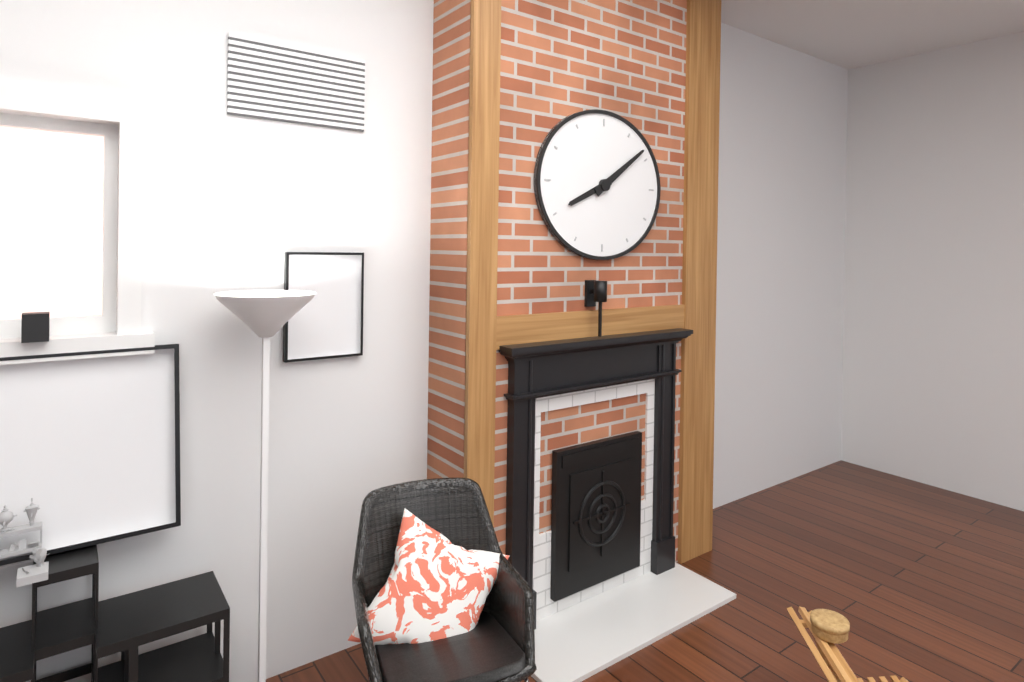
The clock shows 8h09
